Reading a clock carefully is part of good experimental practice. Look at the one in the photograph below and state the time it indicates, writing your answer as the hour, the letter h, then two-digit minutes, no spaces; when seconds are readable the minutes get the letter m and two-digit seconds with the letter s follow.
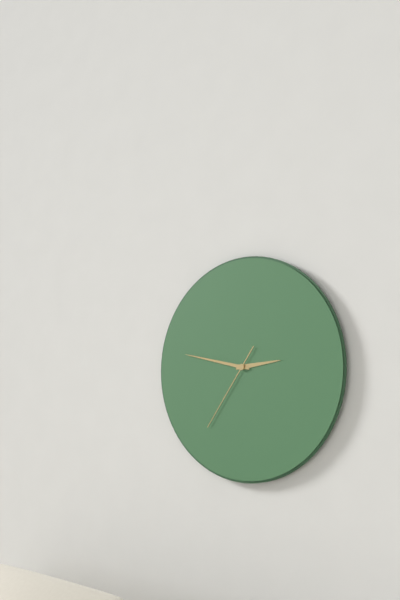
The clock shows 2h47m36s
